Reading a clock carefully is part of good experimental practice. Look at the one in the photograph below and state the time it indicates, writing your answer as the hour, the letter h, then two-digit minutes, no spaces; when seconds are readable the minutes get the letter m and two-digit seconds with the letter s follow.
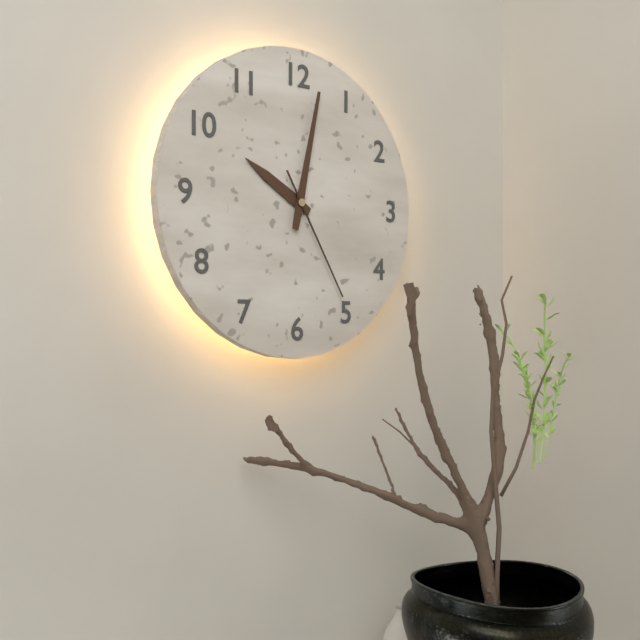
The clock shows 10h02m25s
